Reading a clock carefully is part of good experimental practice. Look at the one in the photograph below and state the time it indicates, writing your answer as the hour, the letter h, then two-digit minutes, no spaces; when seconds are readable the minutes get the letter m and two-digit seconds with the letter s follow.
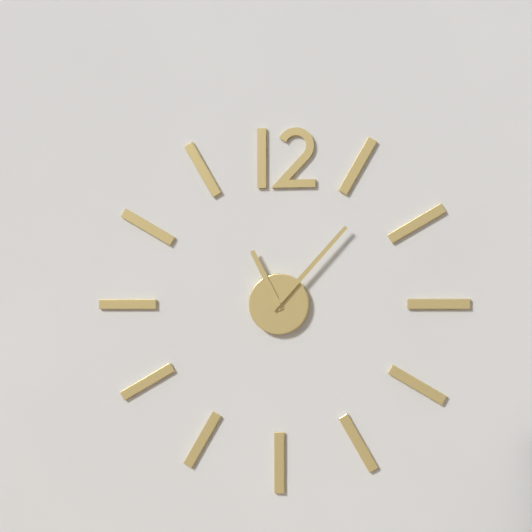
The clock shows 11h07
